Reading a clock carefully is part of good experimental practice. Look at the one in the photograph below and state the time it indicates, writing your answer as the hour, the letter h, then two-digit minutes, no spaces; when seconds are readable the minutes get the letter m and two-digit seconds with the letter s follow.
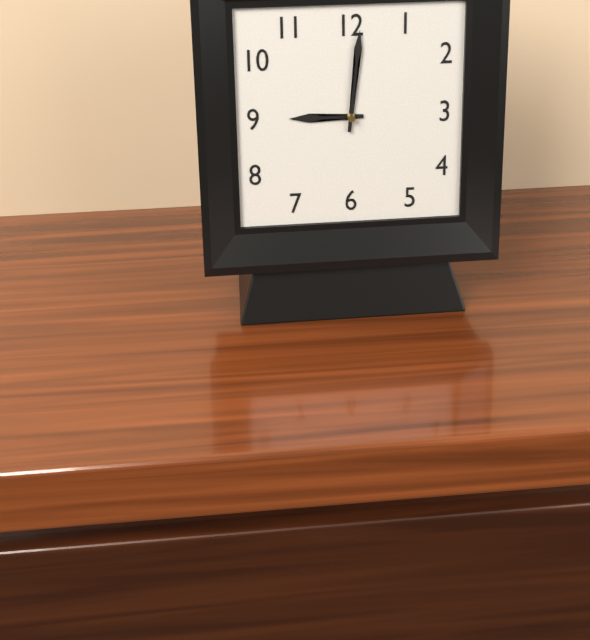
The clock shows 9h01
